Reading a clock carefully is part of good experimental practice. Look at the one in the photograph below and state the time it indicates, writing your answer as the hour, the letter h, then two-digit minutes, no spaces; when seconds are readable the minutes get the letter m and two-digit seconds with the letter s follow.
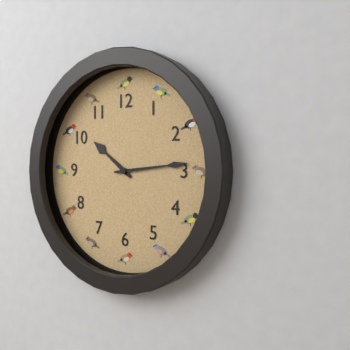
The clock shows 10h14
